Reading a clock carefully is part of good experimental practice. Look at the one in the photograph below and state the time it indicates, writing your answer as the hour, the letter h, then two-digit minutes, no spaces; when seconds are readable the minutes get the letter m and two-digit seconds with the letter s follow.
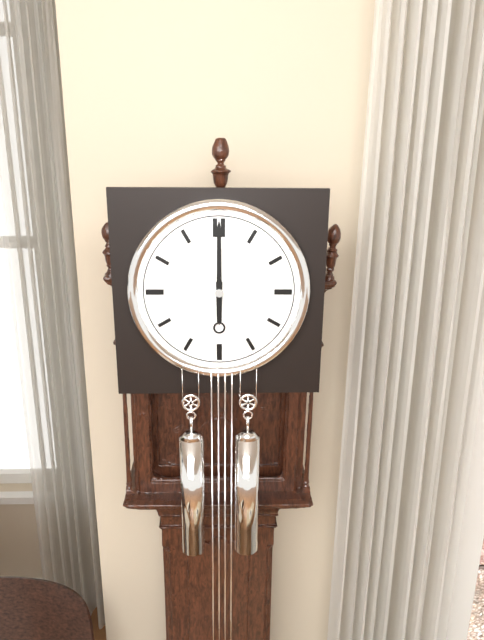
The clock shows 6h00
